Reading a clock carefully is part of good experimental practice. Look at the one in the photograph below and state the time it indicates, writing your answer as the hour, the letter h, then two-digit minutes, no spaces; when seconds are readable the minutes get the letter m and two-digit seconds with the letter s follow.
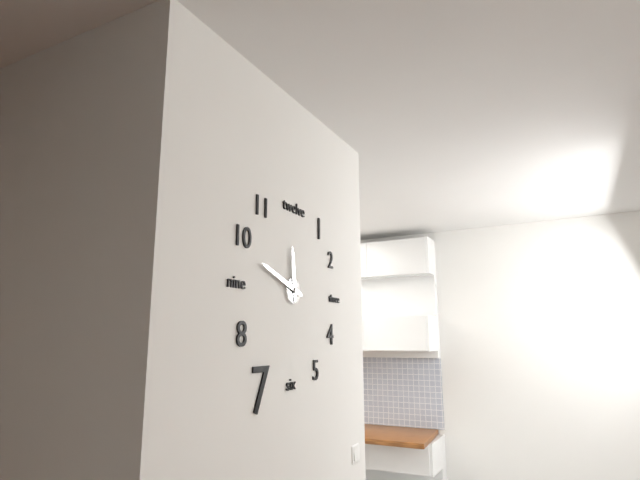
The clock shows 11h48
